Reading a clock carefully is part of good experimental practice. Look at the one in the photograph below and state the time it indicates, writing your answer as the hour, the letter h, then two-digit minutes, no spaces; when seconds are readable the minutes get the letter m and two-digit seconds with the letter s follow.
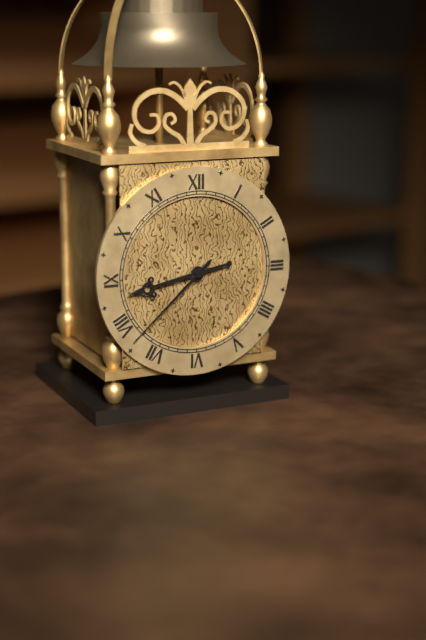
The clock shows 8h38
